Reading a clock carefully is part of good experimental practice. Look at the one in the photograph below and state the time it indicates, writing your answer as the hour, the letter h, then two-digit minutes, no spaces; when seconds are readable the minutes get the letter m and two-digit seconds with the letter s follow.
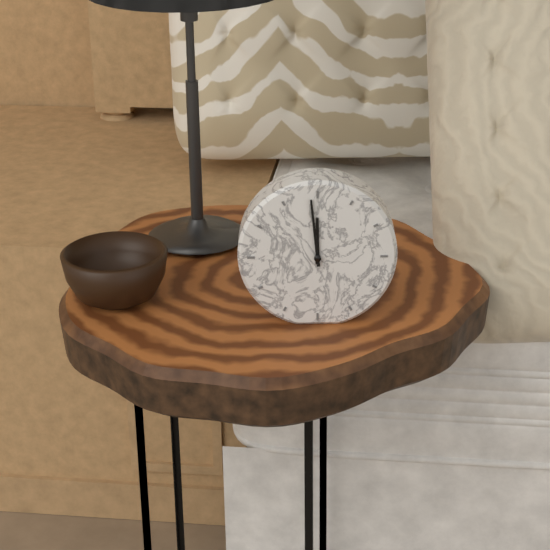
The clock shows 11h59
